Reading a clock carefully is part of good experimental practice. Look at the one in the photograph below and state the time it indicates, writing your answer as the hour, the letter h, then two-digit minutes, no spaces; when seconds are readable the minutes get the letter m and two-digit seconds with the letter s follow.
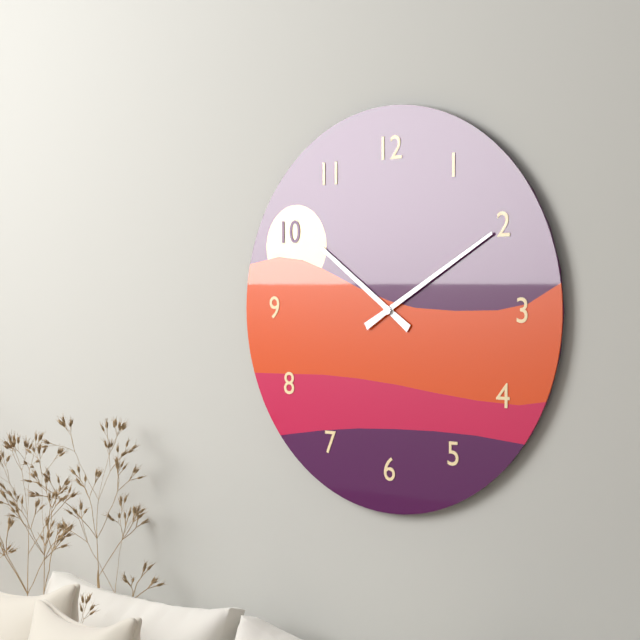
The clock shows 10h10
